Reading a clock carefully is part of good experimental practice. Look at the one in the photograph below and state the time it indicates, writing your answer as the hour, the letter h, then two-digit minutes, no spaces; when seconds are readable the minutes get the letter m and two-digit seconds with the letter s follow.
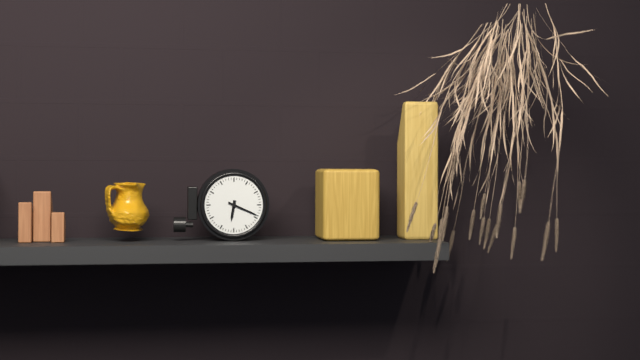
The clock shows 6h19
